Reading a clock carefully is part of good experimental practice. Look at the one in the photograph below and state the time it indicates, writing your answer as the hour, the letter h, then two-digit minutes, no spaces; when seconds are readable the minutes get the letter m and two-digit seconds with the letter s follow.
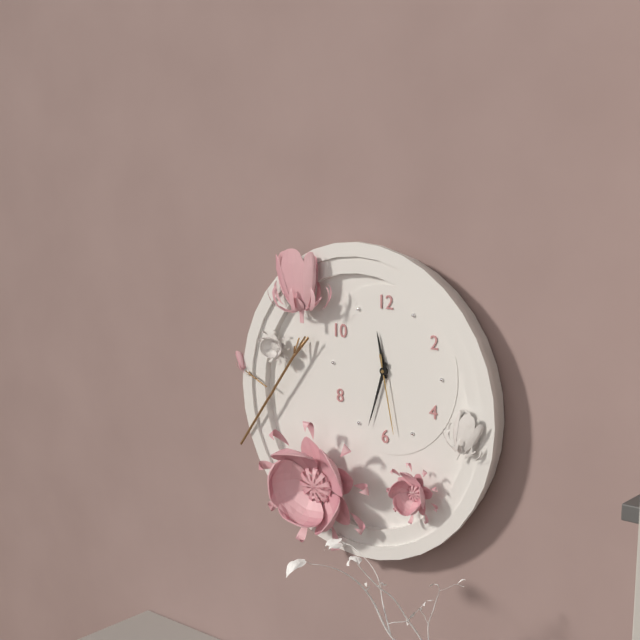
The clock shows 11h33m28s
